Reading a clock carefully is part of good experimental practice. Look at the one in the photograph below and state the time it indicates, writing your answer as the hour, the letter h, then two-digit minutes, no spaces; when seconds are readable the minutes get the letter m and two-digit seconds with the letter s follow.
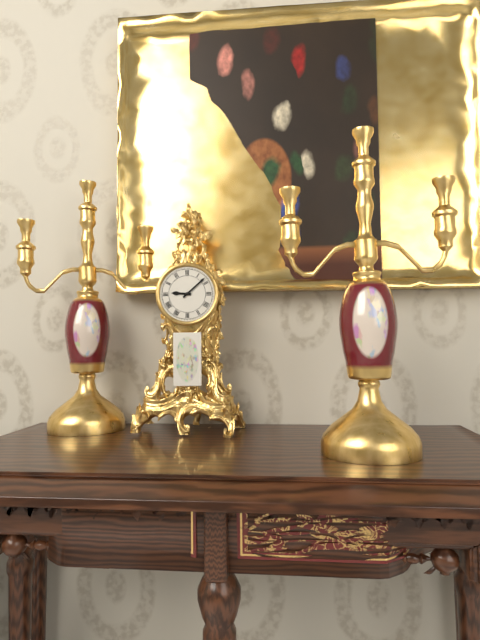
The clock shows 9h08
